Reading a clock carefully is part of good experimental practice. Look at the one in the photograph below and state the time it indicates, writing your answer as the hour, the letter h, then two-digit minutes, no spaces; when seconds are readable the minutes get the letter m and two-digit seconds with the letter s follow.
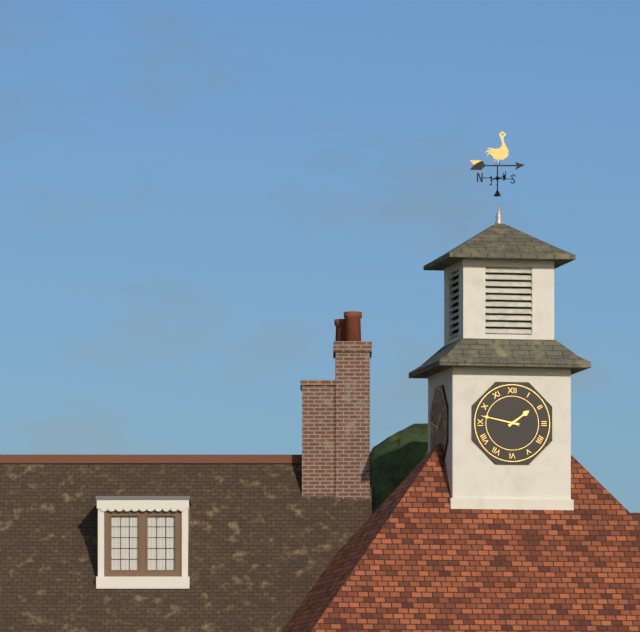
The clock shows 1h47
